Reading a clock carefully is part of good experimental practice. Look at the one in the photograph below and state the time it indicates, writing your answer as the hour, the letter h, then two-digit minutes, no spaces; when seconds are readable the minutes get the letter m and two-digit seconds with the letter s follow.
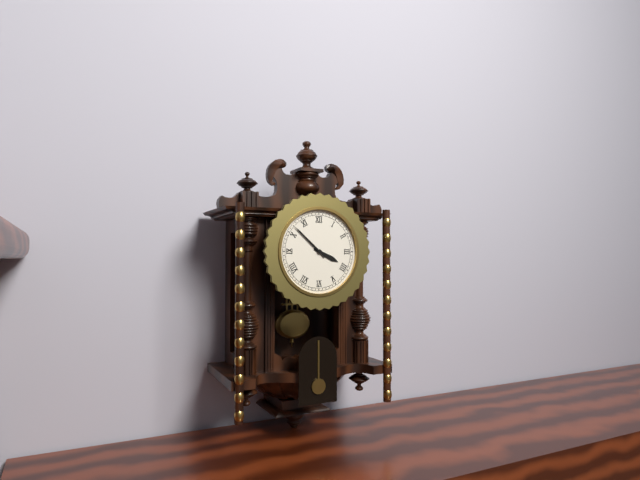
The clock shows 3h52
